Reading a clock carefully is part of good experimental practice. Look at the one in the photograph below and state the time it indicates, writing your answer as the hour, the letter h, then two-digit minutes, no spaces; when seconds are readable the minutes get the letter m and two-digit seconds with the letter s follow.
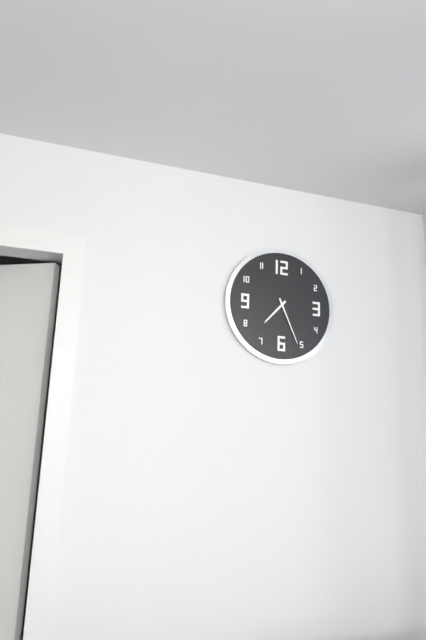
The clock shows 7h26
